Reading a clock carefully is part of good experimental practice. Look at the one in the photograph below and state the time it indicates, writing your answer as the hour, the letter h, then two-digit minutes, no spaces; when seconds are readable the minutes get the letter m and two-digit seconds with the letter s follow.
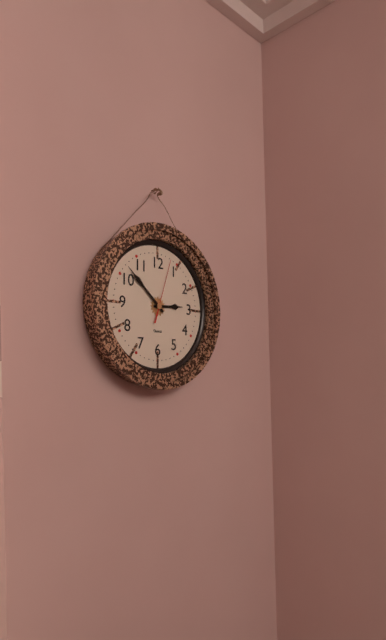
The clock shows 2h52m03s
